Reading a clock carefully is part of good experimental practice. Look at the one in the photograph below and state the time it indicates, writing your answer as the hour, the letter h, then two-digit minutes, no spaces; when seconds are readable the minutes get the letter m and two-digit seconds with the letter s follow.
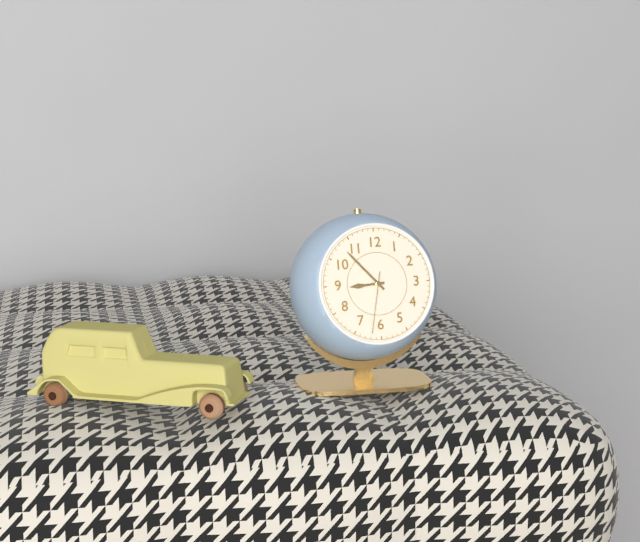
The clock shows 8h53m32s
